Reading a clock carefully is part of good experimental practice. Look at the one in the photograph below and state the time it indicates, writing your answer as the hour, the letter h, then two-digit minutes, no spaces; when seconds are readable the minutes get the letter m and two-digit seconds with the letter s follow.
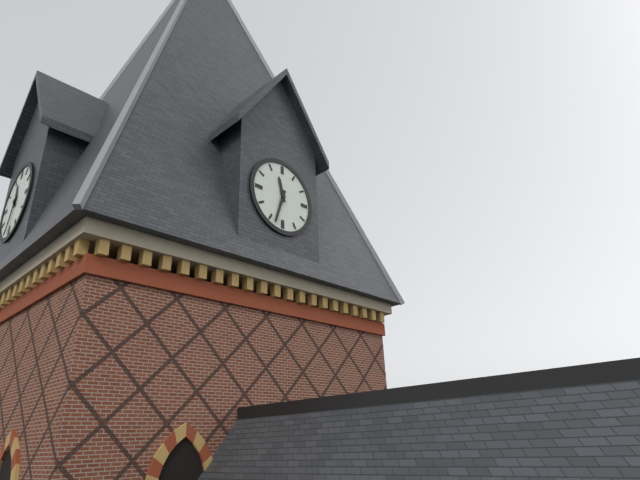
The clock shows 11h33
